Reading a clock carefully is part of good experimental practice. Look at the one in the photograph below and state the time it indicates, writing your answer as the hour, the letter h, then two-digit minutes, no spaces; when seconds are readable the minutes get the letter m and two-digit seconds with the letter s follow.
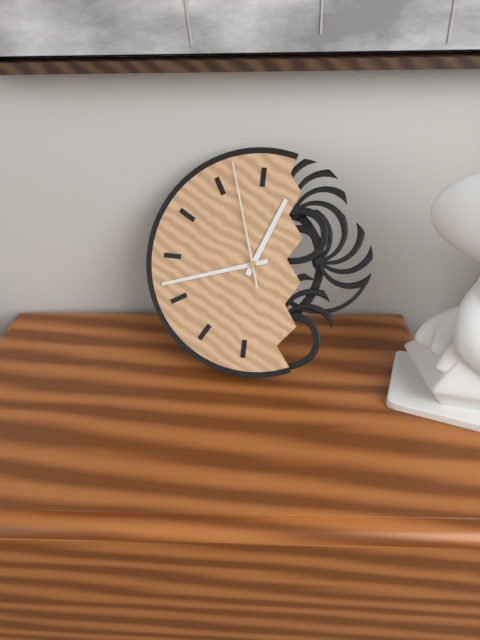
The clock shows 12h42m57s
